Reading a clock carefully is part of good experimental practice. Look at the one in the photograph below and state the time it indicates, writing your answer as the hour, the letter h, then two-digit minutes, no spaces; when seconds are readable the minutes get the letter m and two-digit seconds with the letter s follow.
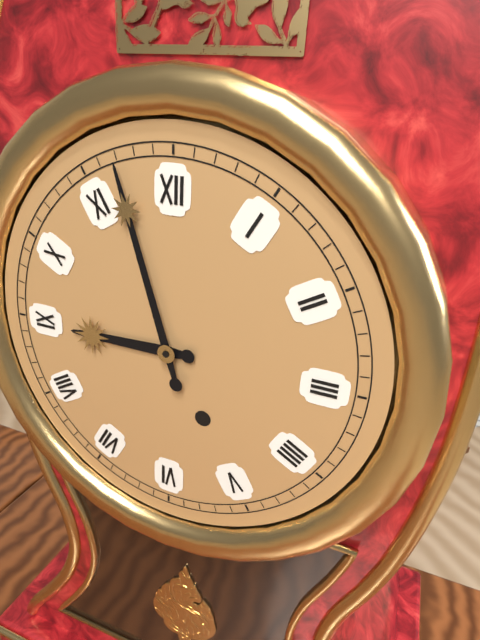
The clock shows 8h57
